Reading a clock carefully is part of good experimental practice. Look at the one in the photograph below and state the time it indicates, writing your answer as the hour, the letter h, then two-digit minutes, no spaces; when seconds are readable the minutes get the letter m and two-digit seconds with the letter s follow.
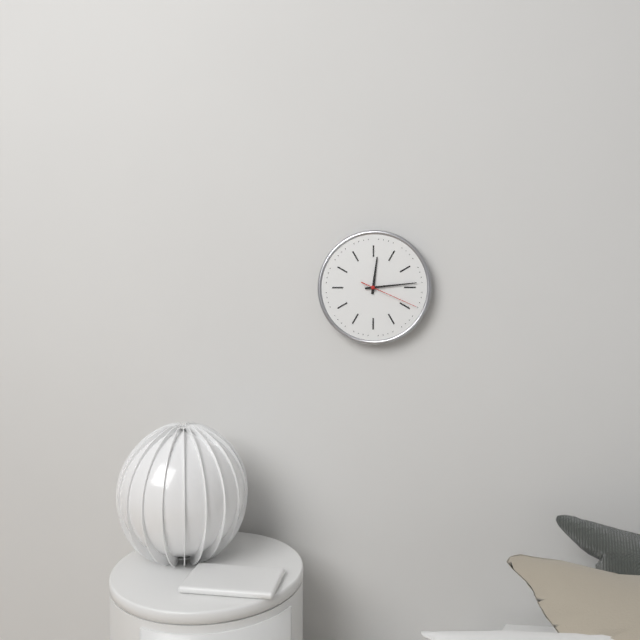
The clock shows 12h14m19s
